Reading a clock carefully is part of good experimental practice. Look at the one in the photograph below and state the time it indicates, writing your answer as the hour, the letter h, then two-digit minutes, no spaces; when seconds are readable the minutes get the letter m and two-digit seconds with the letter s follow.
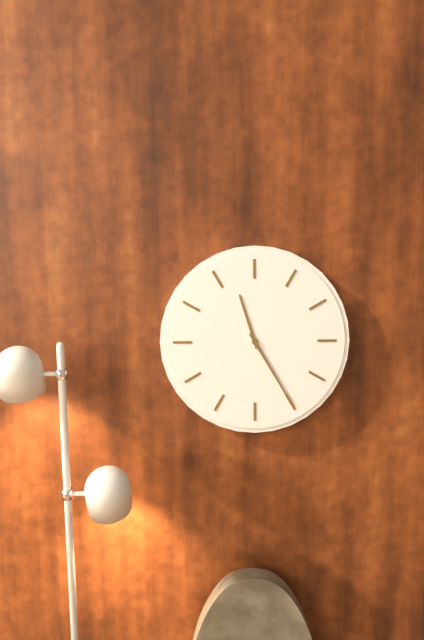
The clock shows 11h25
